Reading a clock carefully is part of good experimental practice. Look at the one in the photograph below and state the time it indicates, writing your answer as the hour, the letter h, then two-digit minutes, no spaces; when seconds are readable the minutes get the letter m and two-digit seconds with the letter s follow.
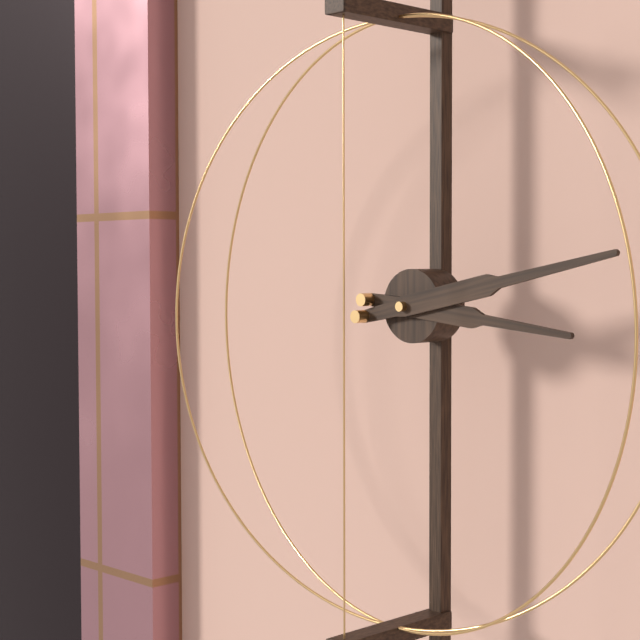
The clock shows 3h13
